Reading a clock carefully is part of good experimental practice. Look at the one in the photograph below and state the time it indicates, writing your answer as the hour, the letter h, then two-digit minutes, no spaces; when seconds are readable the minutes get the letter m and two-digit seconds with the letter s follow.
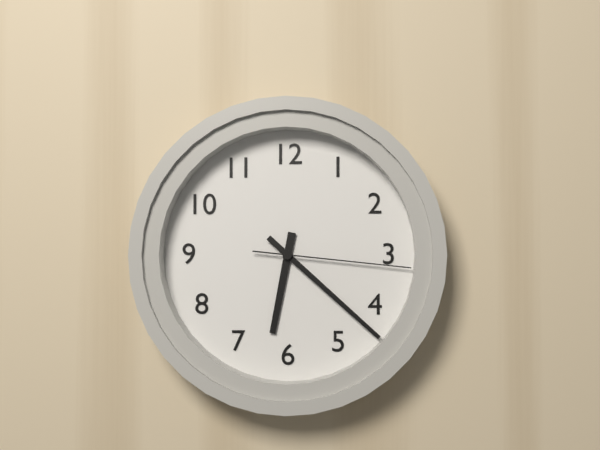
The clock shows 6h22m16s
